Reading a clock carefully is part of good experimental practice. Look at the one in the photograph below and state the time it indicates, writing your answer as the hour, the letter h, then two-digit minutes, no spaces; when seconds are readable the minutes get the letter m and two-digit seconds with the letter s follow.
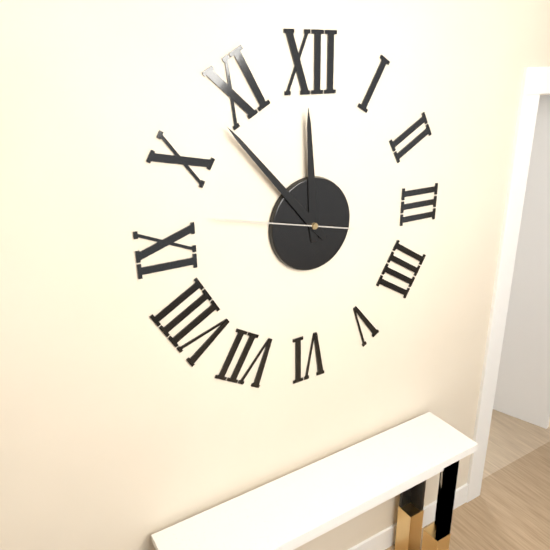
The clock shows 11h53m47s
